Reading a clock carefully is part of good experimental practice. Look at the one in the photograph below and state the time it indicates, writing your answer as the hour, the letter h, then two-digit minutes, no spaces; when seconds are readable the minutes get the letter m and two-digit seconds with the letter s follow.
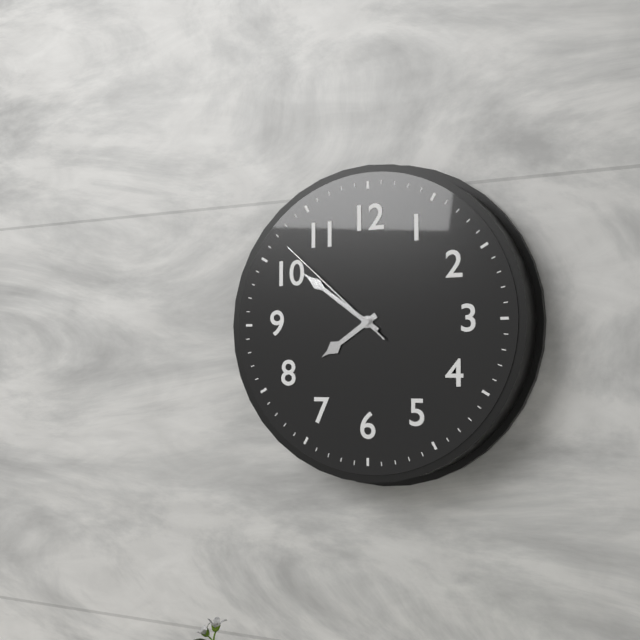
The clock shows 7h51m52s
